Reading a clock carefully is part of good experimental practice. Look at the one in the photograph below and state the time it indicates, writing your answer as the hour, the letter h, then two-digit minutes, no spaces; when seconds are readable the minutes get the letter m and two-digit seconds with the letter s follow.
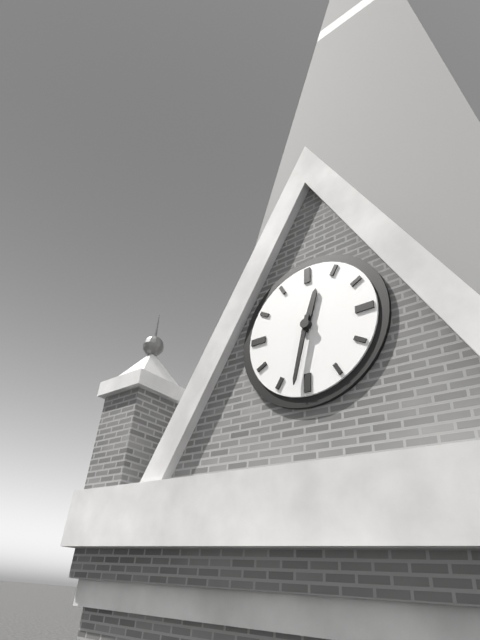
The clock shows 12h32
